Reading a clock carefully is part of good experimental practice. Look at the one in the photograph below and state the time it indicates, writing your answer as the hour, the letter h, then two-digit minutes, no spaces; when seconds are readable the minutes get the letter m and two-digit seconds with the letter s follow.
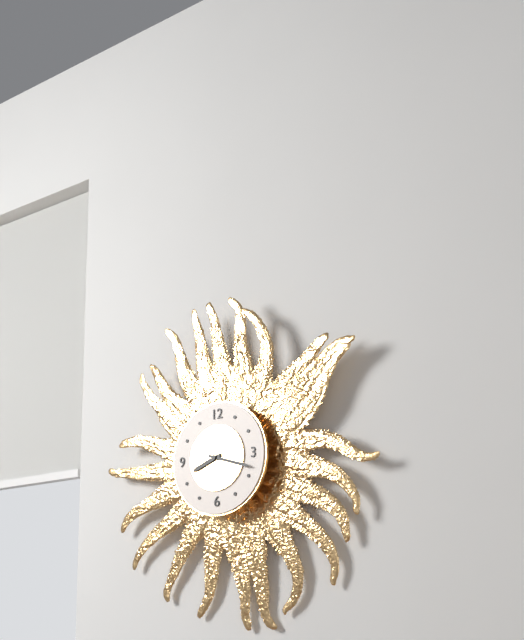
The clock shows 8h18
